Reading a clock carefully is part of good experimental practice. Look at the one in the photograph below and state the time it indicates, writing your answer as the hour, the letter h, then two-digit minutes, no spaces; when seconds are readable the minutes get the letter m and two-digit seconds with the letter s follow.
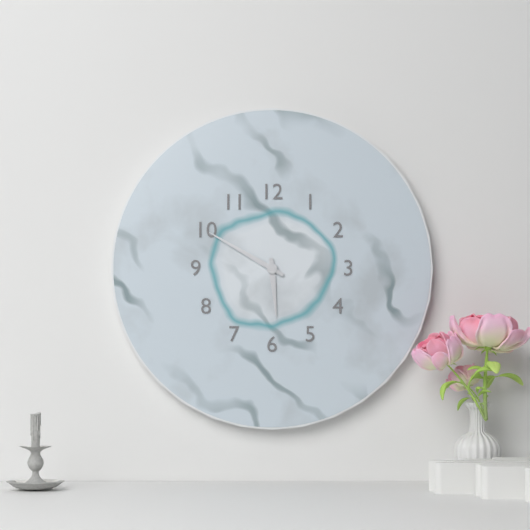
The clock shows 5h50
